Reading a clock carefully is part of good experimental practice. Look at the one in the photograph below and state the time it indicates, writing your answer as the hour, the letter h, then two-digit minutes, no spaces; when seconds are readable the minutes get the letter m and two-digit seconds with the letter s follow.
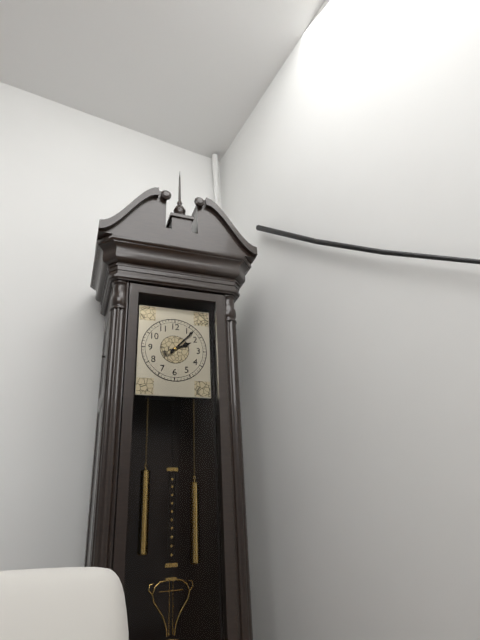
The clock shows 2h07
